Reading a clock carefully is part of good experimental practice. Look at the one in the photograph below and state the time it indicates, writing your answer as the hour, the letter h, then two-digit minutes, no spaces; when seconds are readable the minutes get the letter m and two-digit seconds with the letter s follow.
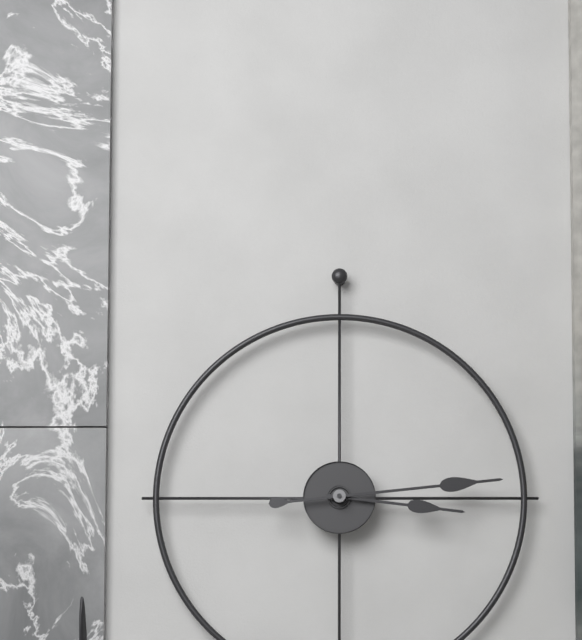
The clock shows 3h14
